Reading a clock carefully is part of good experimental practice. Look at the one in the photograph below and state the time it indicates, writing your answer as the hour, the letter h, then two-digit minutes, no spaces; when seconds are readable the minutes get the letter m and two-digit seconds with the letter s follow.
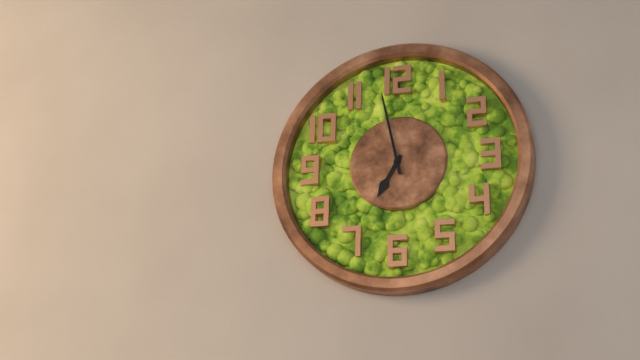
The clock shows 6h58
